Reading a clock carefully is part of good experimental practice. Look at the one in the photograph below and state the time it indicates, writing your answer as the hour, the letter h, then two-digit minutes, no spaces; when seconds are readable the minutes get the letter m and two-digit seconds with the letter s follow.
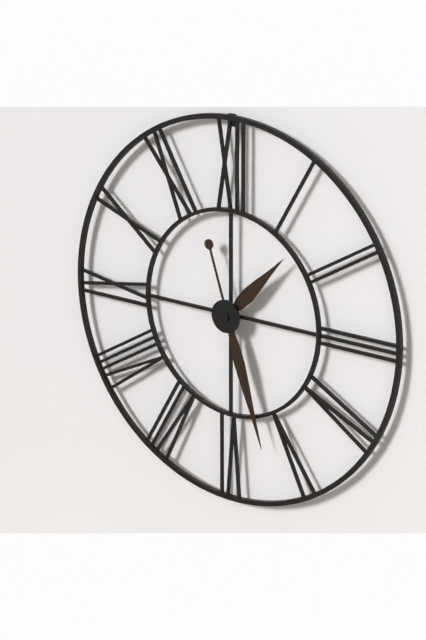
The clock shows 1h27
